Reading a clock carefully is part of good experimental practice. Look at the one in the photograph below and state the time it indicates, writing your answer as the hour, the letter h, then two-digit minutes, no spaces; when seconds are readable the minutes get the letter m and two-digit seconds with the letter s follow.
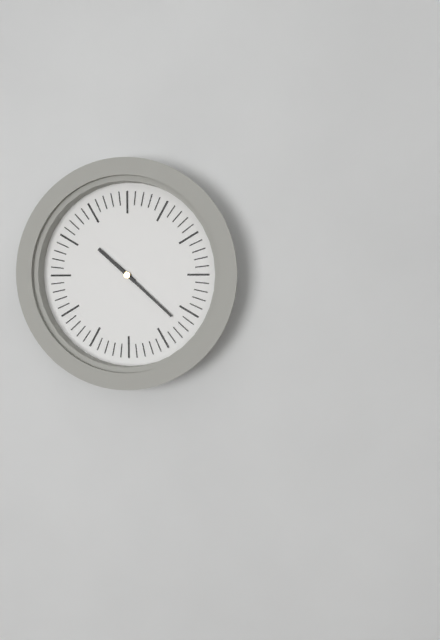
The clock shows 10h22
